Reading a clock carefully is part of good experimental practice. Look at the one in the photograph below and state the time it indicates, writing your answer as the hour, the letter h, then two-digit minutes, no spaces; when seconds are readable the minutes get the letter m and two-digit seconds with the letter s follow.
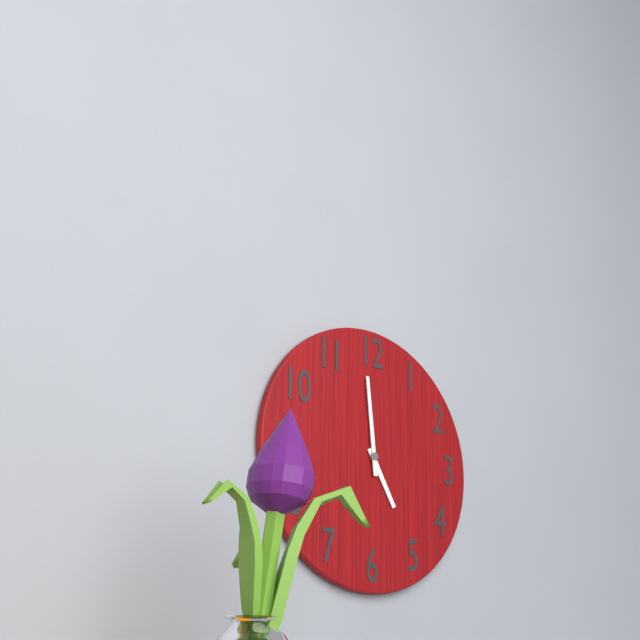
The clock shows 4h59
